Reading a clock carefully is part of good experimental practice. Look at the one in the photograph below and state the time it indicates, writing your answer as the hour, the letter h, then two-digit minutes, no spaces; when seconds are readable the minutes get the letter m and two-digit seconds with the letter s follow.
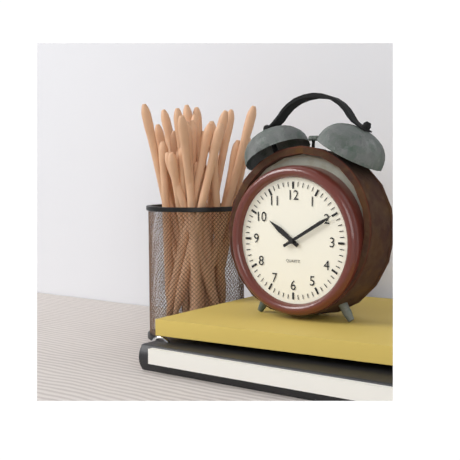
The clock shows 10h10
